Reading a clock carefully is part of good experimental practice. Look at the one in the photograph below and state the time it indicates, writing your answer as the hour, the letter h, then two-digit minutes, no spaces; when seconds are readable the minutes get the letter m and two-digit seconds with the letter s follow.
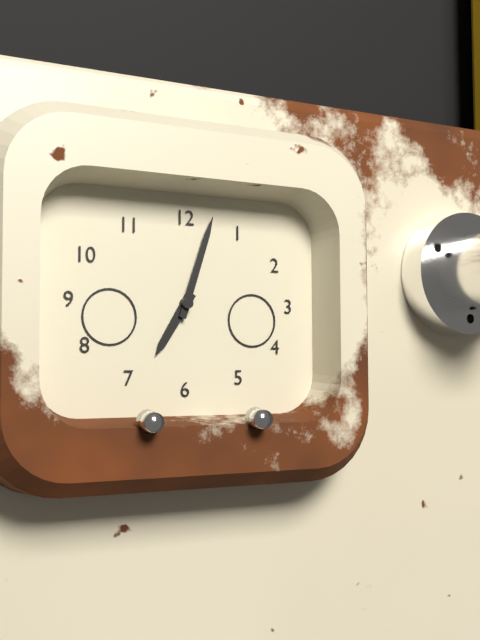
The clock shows 7h03
